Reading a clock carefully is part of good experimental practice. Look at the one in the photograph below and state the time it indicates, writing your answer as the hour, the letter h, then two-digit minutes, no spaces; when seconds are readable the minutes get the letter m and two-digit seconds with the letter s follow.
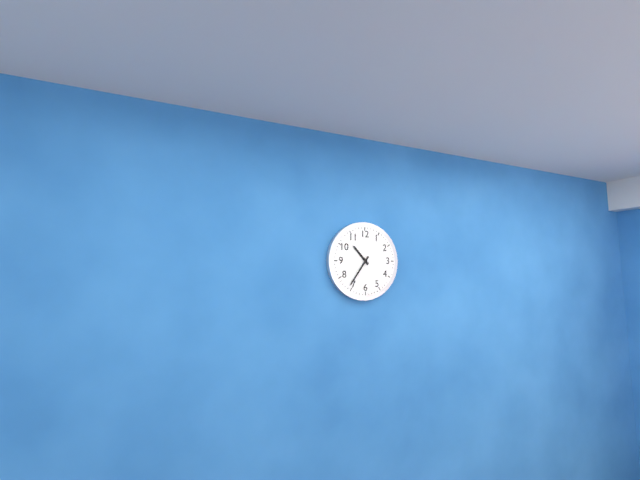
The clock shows 10h36
